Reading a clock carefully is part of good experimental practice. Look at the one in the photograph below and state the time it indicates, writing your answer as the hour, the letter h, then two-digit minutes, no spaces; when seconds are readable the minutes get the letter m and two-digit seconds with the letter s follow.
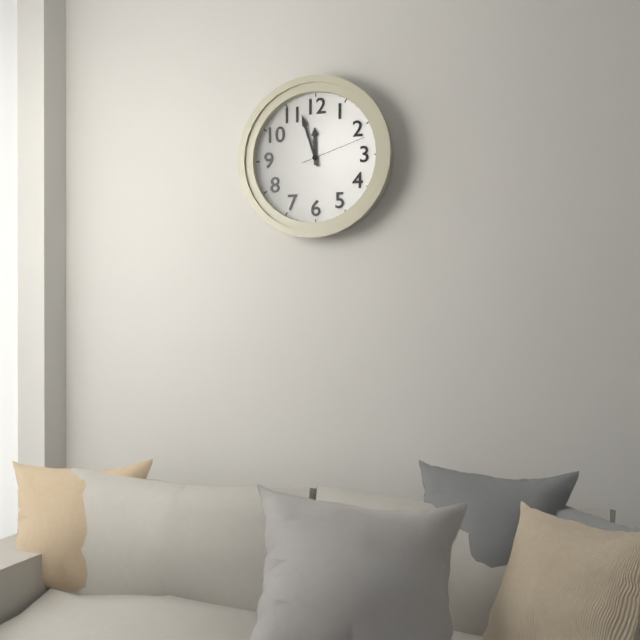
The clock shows 11h57m12s
